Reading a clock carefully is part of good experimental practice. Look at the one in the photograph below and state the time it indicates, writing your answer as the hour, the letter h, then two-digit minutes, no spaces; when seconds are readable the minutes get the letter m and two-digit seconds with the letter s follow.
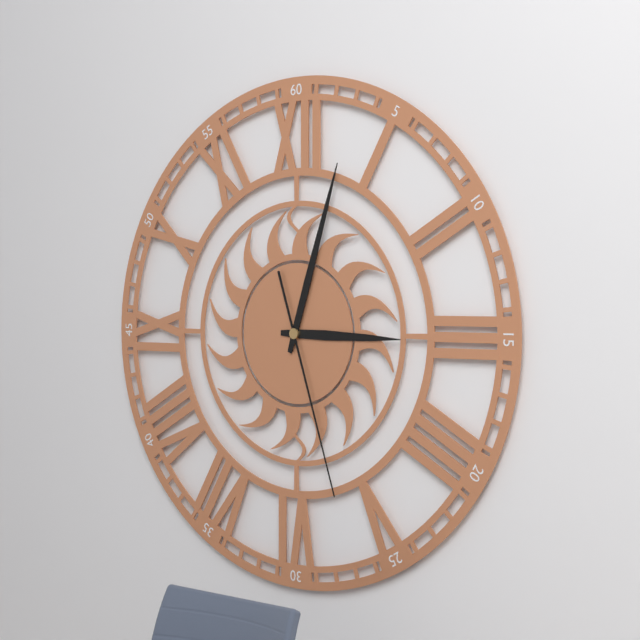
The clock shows 3h03m27s
